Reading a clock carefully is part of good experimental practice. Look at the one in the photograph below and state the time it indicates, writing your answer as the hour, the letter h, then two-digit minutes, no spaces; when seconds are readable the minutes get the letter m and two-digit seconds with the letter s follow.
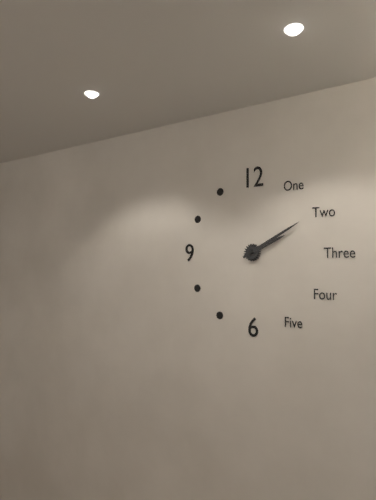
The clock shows 2h10
